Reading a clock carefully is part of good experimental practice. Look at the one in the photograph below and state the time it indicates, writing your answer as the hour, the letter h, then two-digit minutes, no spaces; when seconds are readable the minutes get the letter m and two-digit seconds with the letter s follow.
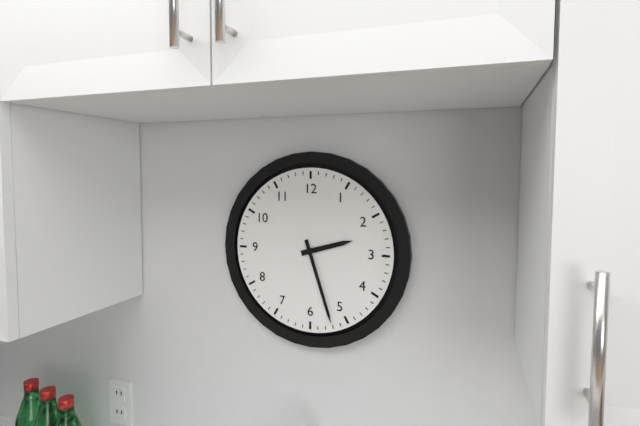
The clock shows 2h27
